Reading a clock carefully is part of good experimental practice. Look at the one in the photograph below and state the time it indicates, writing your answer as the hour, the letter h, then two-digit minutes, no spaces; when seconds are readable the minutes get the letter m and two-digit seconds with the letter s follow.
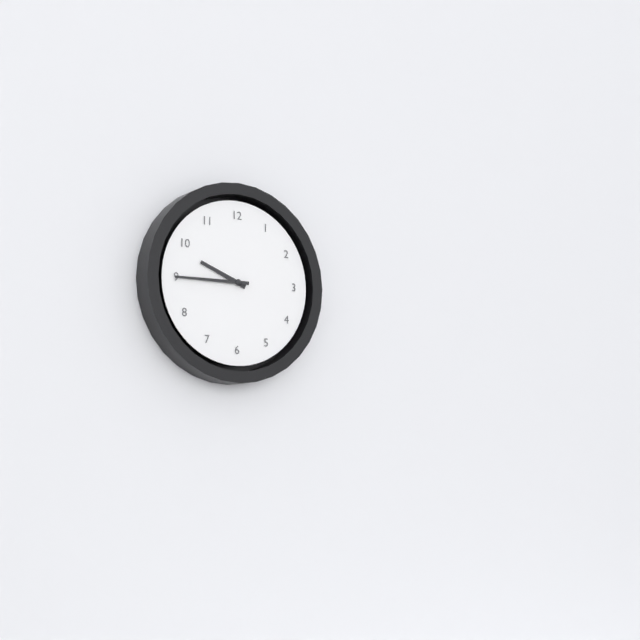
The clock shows 9h45
